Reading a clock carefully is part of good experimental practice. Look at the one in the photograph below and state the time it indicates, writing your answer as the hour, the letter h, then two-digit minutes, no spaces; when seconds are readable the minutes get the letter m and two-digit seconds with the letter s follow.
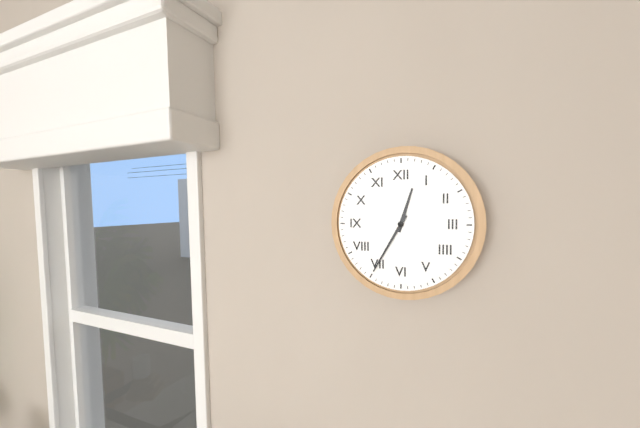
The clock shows 12h35
